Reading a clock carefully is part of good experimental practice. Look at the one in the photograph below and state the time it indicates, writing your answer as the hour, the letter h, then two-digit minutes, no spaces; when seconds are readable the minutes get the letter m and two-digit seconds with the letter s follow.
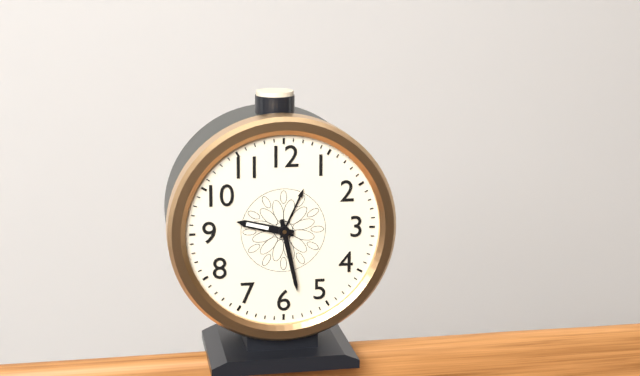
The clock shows 9h28
